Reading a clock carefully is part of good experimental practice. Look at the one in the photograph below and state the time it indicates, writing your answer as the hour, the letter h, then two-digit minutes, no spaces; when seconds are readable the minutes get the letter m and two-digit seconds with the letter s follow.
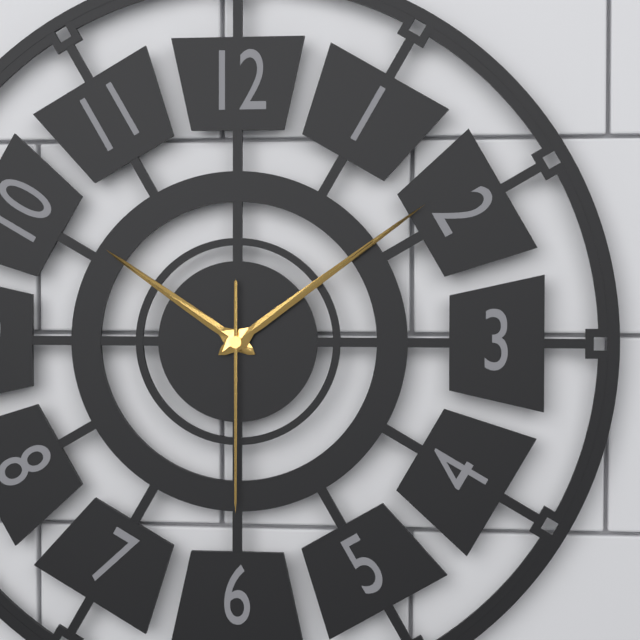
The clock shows 10h09m30s
